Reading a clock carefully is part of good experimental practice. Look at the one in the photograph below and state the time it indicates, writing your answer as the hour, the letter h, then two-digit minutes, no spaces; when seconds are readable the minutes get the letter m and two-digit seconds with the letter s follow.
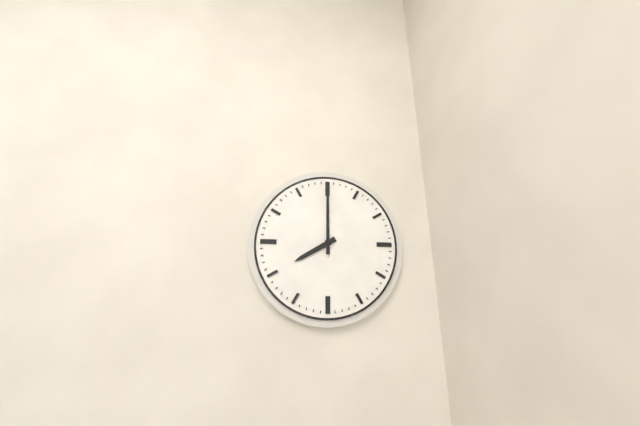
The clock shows 8h00
